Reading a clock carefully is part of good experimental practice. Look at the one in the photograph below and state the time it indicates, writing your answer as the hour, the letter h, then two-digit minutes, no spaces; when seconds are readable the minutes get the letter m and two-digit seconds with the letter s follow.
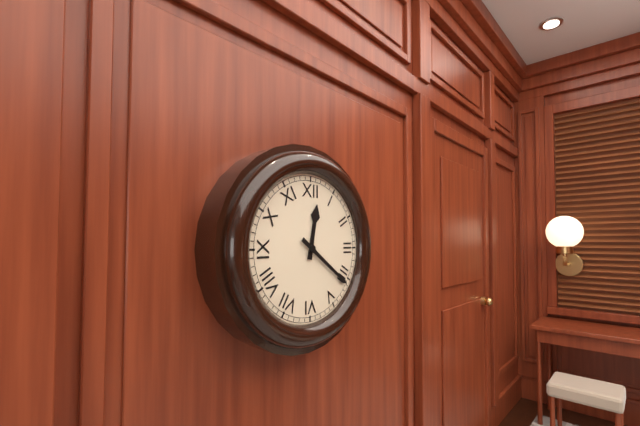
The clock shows 12h21
